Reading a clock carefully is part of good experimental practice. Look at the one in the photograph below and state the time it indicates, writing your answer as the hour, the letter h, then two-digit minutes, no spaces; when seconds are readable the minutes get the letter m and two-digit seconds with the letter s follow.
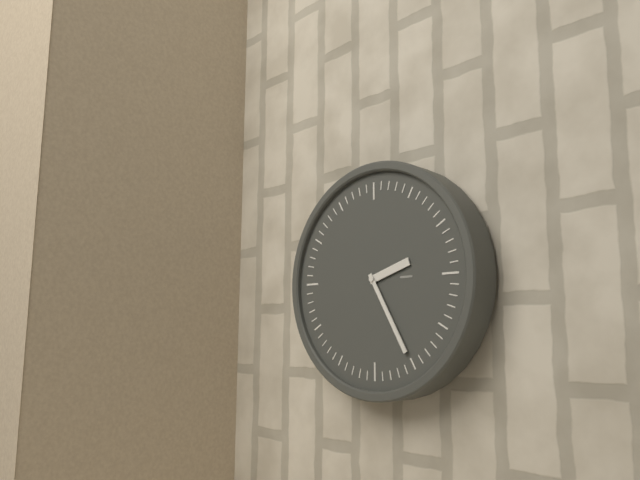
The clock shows 2h25
